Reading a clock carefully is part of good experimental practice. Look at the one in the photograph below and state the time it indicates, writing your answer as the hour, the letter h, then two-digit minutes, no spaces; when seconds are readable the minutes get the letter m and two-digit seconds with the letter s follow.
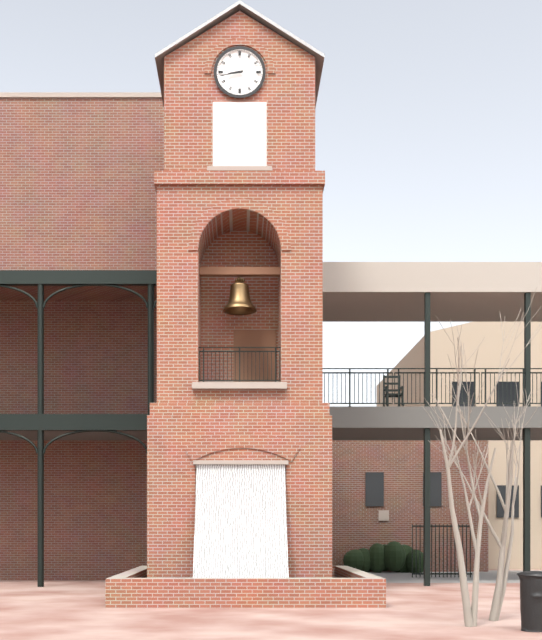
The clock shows 8h43
